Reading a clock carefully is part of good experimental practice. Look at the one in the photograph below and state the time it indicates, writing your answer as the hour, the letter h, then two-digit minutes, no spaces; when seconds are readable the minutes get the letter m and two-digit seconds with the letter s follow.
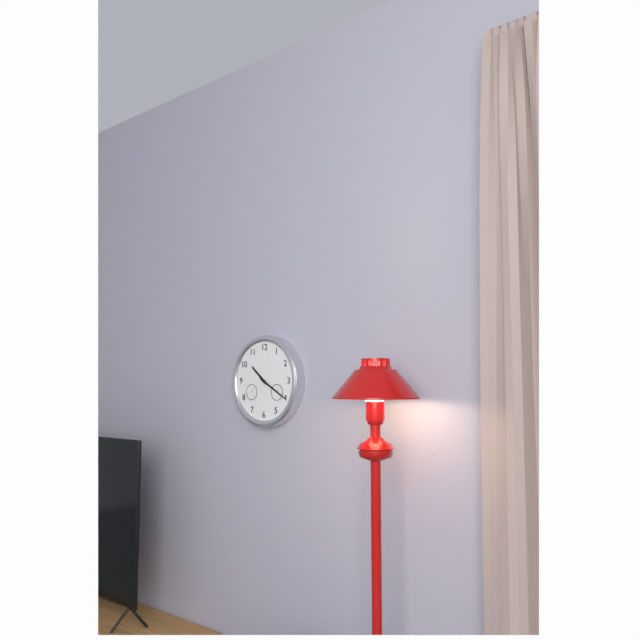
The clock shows 10h20
